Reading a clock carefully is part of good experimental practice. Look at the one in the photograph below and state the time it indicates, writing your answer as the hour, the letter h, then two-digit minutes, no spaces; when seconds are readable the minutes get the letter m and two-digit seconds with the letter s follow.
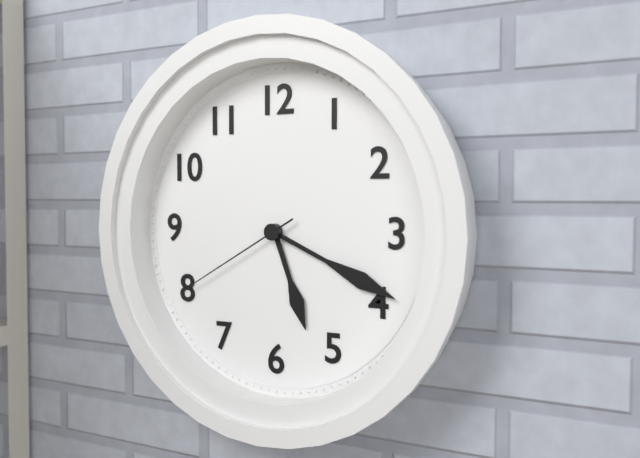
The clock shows 5h19m40s
